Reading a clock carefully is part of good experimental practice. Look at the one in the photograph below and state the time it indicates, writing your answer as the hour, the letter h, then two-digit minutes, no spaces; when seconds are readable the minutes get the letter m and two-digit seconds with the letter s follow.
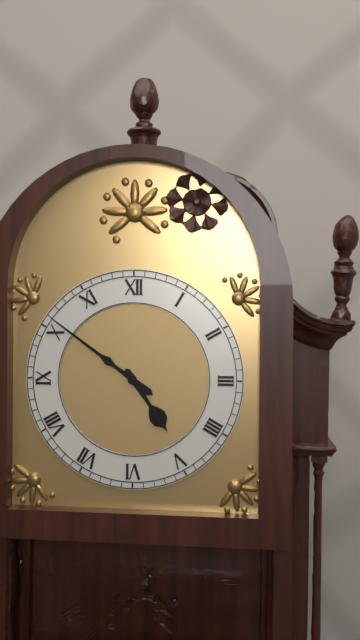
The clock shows 4h51
